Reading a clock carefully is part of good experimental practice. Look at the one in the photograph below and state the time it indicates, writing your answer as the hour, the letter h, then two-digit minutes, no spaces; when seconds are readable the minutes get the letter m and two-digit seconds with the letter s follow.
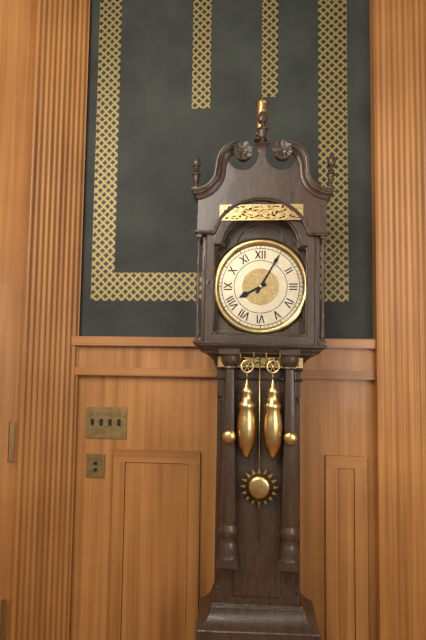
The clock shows 8h05
